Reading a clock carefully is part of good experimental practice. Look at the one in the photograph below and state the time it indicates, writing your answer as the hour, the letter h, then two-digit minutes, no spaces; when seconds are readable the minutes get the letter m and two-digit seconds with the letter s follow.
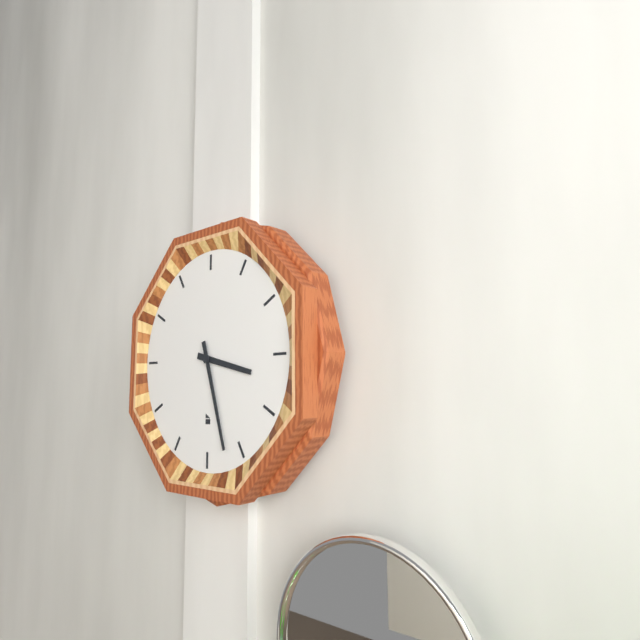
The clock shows 3h27
